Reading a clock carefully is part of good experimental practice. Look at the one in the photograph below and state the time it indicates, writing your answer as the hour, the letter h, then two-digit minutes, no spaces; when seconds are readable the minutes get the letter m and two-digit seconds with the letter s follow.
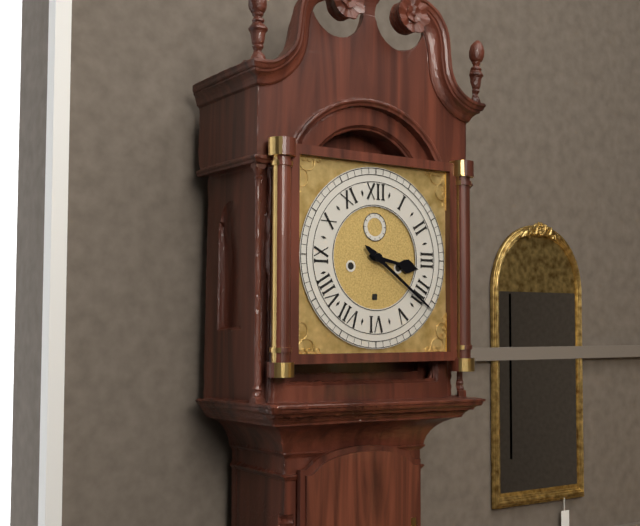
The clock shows 3h21
